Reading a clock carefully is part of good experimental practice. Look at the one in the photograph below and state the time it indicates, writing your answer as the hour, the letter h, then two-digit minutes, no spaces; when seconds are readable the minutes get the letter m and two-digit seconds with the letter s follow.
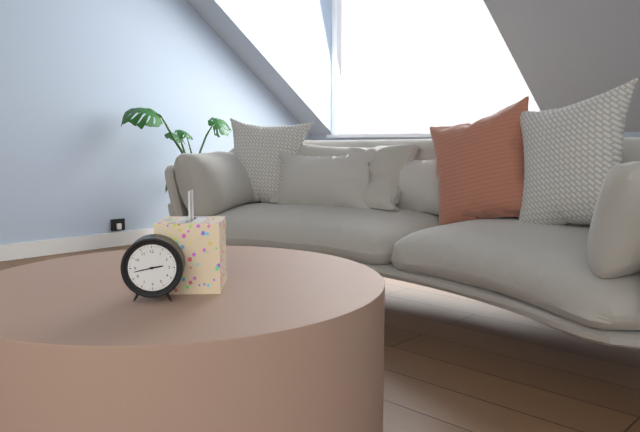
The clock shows 2h43
